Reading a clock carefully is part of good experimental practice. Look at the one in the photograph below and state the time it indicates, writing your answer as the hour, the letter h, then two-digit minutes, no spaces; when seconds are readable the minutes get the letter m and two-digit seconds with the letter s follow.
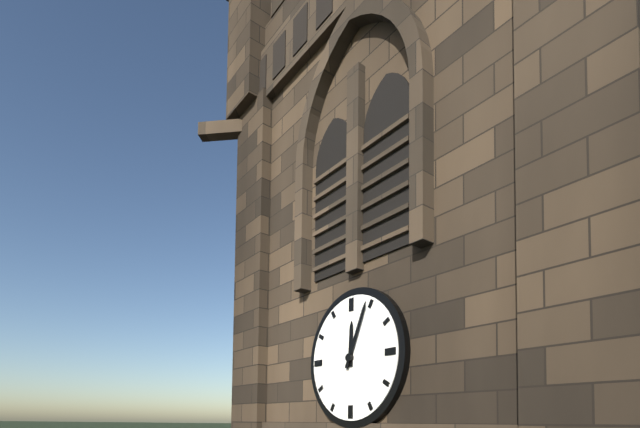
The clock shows 12h04
